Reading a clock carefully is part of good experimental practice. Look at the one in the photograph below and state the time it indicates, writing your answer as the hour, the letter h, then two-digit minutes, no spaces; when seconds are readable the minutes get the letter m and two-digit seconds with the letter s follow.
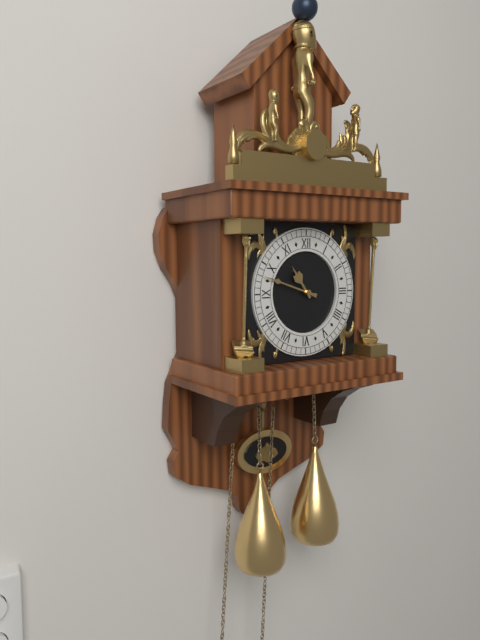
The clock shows 10h48
